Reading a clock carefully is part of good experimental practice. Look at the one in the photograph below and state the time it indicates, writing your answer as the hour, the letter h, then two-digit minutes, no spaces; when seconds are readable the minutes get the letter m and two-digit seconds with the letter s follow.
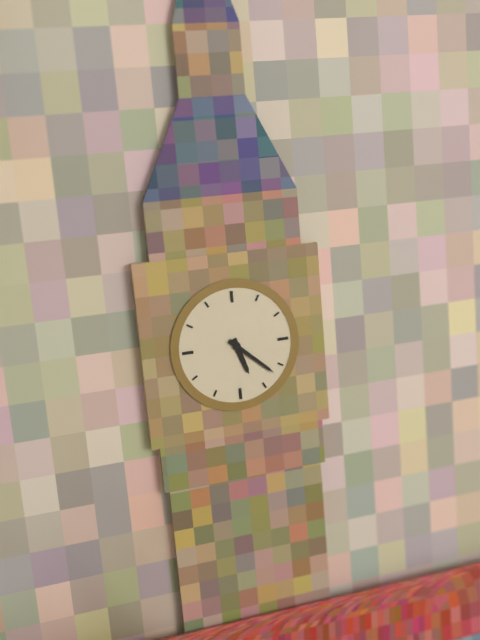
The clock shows 5h22
